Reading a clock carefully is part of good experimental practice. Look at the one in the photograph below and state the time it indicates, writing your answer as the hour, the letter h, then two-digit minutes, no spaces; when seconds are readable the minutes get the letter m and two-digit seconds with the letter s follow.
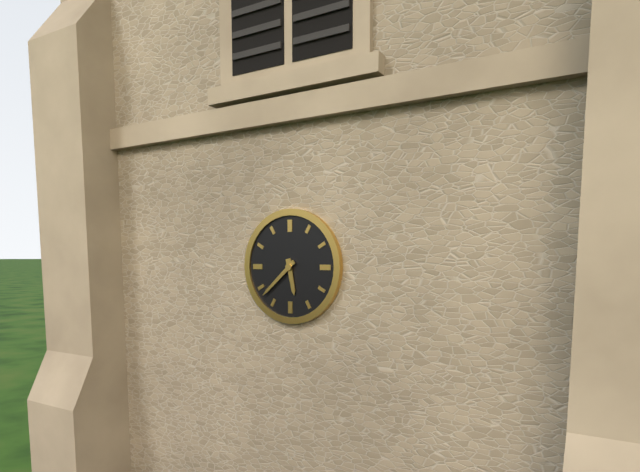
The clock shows 5h38
